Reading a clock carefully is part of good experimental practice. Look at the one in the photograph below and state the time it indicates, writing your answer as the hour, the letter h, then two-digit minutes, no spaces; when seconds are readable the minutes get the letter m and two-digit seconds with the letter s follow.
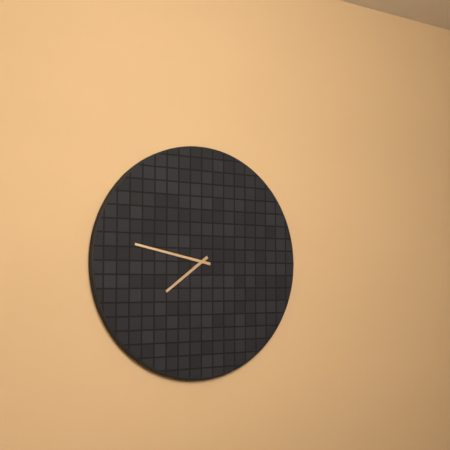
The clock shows 7h47
